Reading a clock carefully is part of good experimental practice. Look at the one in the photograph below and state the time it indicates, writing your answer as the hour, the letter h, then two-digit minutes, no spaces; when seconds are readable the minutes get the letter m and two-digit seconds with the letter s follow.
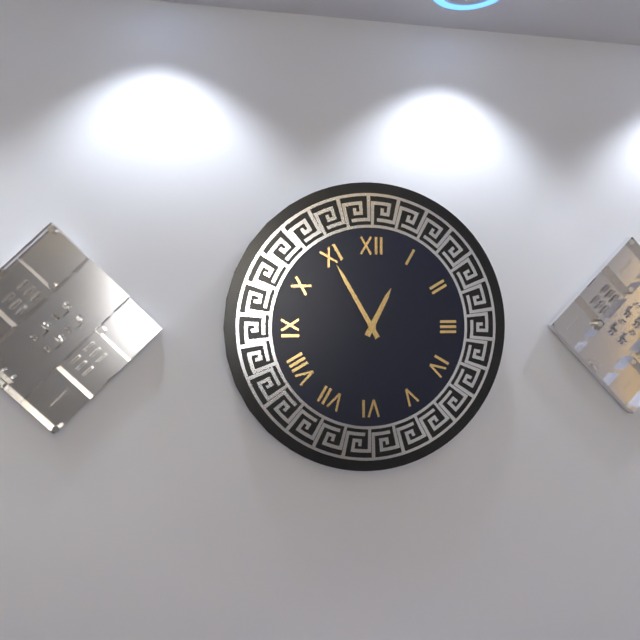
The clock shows 12h55
